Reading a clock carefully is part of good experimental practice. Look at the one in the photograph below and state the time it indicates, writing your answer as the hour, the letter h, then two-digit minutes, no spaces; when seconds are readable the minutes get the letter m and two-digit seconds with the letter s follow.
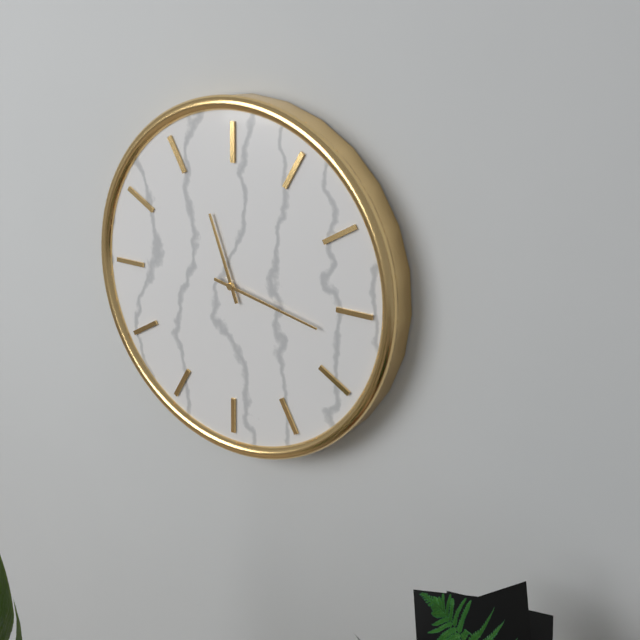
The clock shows 11h17
